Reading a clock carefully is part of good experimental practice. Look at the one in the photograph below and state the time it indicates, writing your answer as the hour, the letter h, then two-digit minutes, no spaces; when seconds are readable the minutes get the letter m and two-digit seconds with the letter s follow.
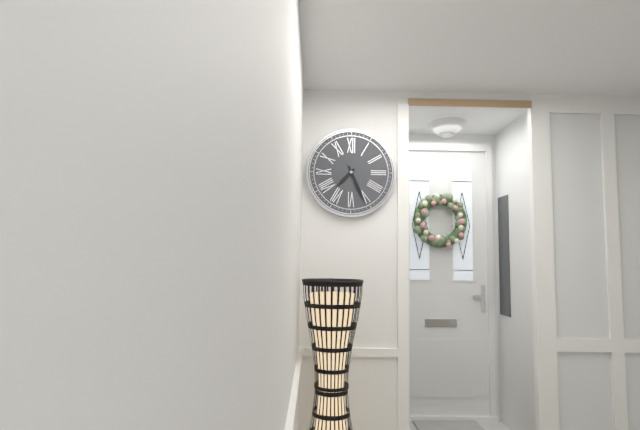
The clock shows 7h26
